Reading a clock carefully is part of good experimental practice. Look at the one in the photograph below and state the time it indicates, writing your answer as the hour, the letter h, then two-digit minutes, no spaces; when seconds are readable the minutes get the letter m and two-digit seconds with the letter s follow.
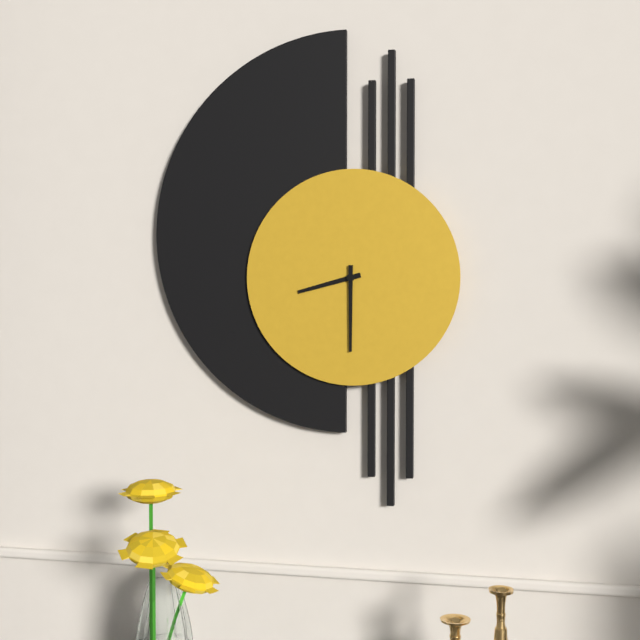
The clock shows 8h30
